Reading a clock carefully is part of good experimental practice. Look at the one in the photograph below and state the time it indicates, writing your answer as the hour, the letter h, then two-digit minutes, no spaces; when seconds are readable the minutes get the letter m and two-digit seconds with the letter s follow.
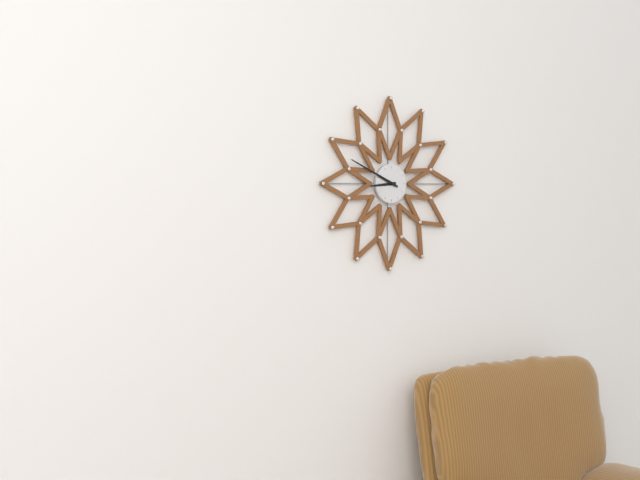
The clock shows 8h49
